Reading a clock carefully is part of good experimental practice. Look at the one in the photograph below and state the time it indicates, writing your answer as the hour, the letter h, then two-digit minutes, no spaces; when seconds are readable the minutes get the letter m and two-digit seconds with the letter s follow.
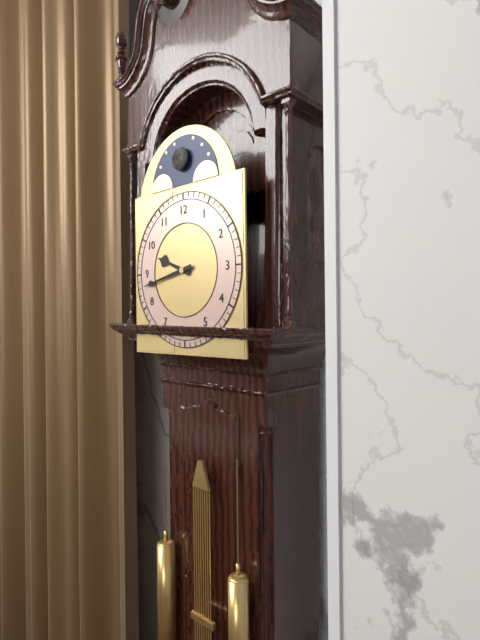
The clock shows 9h43
